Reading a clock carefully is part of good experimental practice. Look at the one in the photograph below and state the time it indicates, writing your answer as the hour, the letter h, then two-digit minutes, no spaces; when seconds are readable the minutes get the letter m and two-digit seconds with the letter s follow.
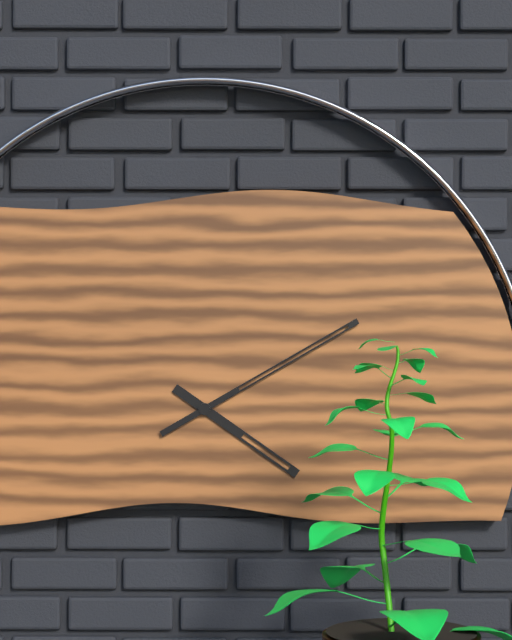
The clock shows 4h10
